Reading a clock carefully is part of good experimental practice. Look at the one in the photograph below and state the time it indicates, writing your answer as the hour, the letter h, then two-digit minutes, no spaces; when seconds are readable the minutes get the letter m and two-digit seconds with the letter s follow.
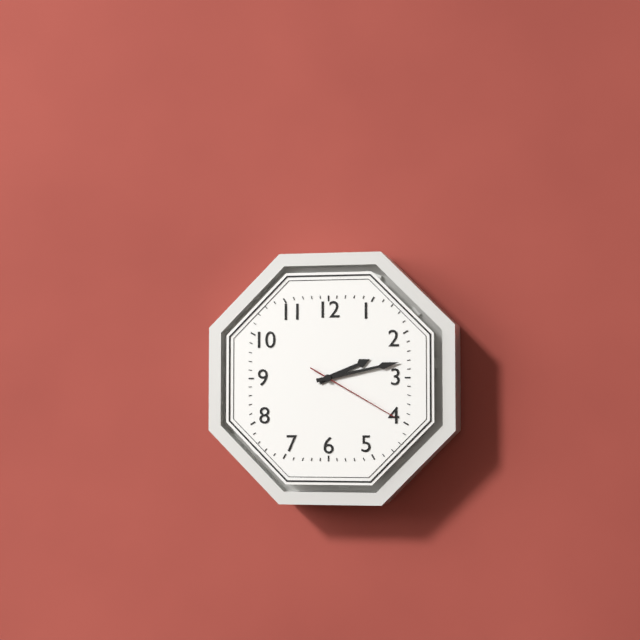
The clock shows 2h13m20s
